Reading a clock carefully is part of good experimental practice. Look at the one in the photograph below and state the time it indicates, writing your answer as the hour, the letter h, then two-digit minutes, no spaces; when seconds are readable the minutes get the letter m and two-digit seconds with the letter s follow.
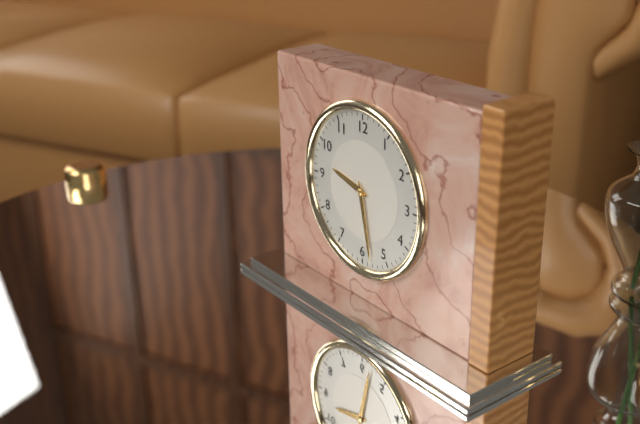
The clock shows 9h28
